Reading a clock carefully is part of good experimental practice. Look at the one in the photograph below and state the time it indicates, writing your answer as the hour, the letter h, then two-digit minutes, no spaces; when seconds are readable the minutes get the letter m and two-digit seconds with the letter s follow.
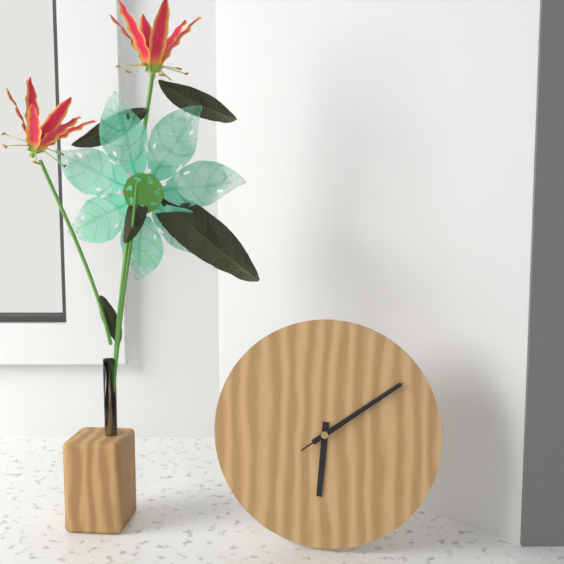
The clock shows 6h09m09s
